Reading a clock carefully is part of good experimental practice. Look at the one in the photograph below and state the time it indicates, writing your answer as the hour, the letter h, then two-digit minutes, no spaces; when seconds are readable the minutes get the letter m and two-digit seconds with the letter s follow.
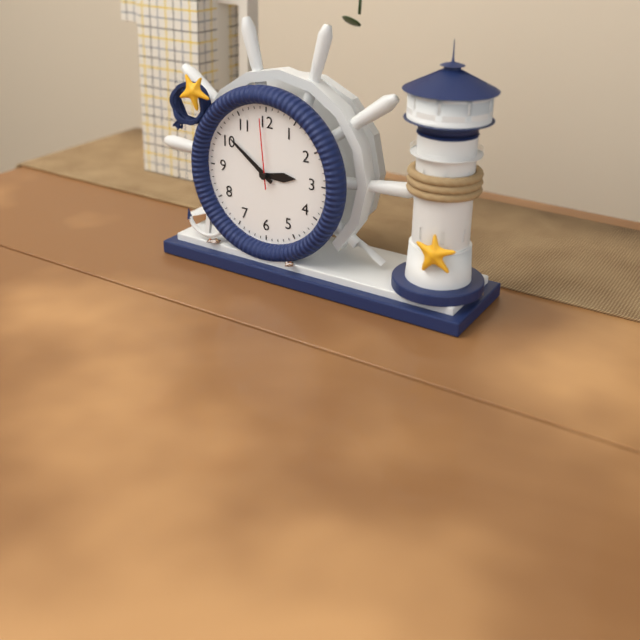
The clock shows 2h51m59s
